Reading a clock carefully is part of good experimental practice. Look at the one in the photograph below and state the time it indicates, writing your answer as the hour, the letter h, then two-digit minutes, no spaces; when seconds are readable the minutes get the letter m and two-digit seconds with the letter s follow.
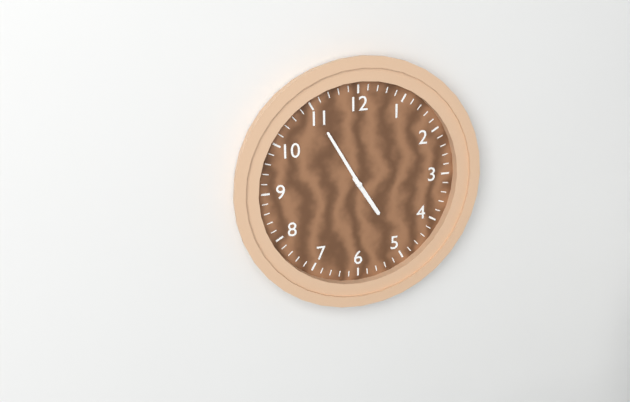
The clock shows 4h55
